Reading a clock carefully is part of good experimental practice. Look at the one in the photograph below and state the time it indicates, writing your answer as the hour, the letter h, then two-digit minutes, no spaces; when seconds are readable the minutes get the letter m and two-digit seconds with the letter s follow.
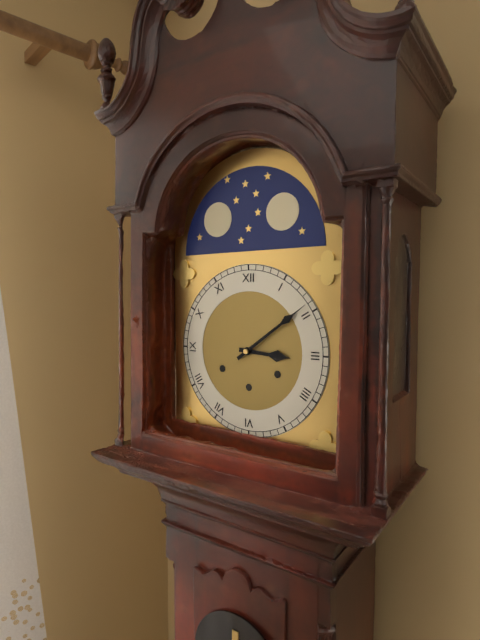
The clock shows 3h09
